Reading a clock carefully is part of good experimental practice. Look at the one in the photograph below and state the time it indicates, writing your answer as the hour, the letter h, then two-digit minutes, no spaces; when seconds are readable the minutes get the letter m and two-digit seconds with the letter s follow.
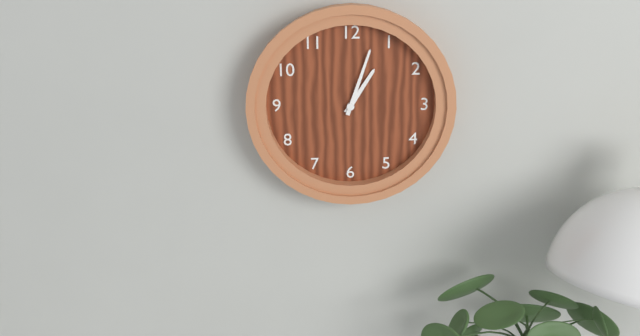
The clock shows 1h03
